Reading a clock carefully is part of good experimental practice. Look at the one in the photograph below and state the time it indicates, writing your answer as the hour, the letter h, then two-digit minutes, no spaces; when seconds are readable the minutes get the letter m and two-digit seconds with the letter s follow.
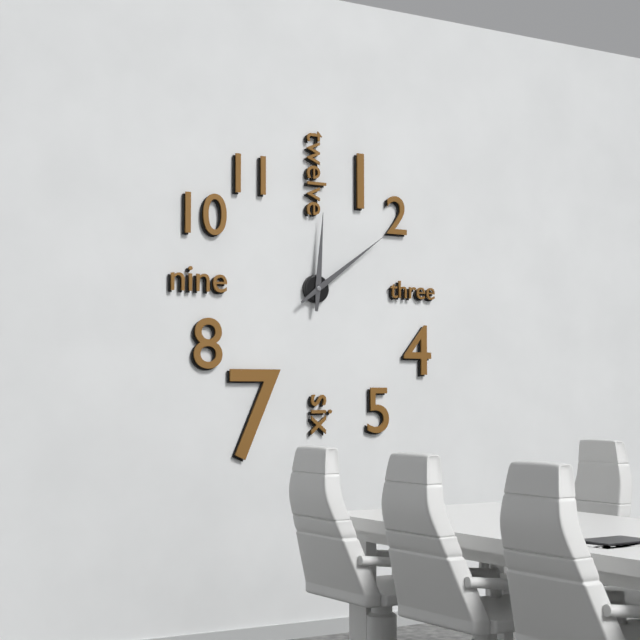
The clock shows 12h09
